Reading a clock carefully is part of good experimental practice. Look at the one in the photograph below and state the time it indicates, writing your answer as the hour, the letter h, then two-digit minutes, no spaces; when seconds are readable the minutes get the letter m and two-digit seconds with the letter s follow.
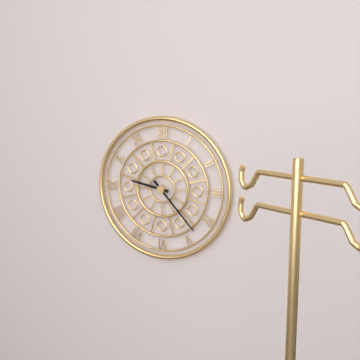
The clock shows 9h23
